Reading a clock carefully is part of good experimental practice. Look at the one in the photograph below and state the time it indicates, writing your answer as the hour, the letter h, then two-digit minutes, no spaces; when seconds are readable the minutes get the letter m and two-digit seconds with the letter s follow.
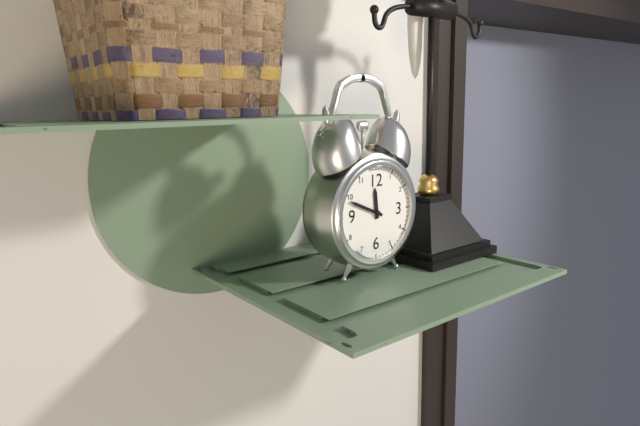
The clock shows 11h49
